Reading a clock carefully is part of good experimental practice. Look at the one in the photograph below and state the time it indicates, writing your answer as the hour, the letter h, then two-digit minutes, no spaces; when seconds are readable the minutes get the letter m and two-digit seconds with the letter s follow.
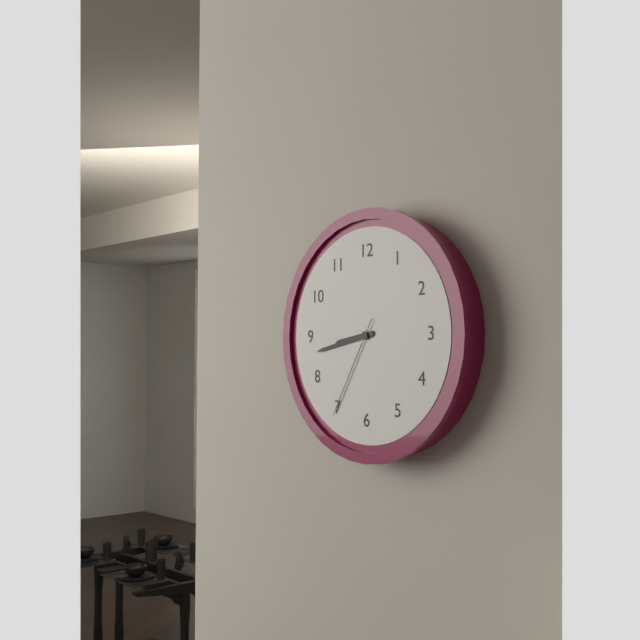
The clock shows 8h43m35s
